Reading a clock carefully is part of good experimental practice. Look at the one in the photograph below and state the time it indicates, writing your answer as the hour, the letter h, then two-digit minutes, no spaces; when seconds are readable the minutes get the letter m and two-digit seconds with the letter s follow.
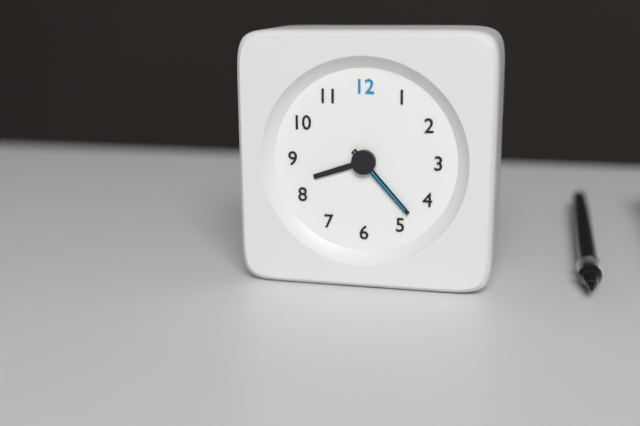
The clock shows 8h23m23s
